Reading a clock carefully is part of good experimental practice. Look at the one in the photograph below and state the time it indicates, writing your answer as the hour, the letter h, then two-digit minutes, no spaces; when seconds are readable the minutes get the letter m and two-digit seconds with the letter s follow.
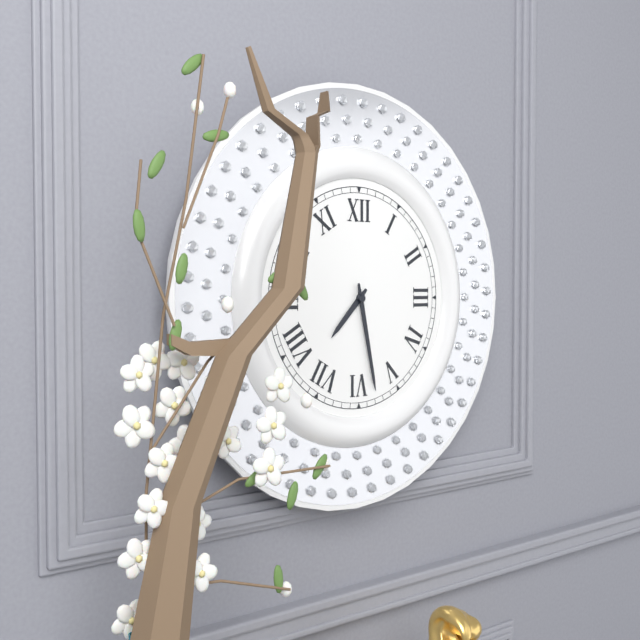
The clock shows 7h28
